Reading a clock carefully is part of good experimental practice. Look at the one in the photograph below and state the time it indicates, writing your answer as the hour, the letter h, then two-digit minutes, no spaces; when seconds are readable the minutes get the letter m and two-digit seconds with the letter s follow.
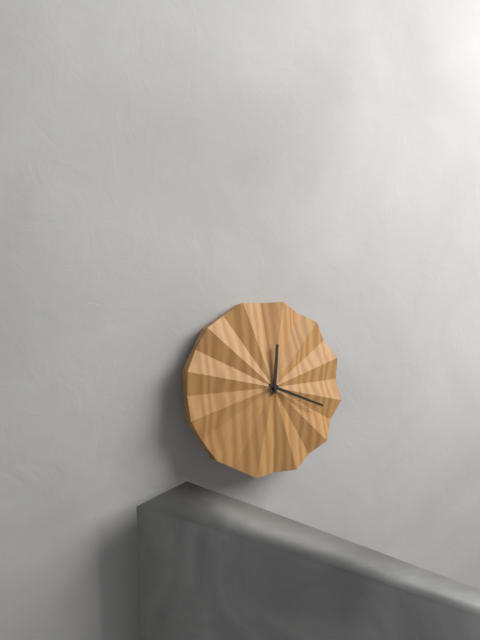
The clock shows 12h19
